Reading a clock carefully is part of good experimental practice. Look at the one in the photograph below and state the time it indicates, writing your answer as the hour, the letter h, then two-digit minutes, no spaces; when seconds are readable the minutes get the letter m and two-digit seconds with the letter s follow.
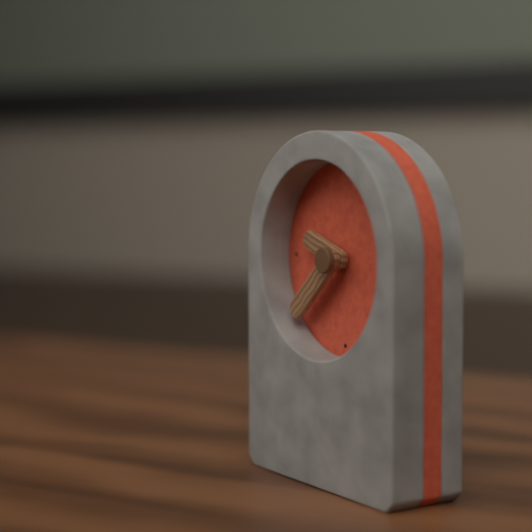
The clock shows 9h38
